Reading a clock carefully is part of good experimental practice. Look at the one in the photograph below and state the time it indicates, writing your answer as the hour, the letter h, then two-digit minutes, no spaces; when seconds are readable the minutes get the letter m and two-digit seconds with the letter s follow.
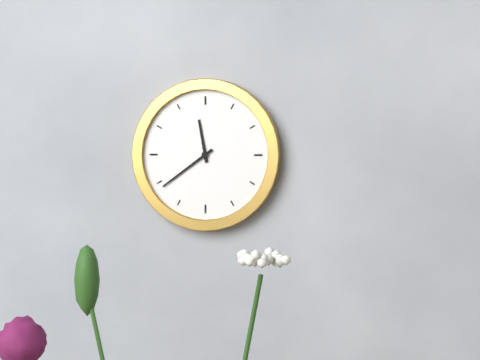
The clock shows 11h39
